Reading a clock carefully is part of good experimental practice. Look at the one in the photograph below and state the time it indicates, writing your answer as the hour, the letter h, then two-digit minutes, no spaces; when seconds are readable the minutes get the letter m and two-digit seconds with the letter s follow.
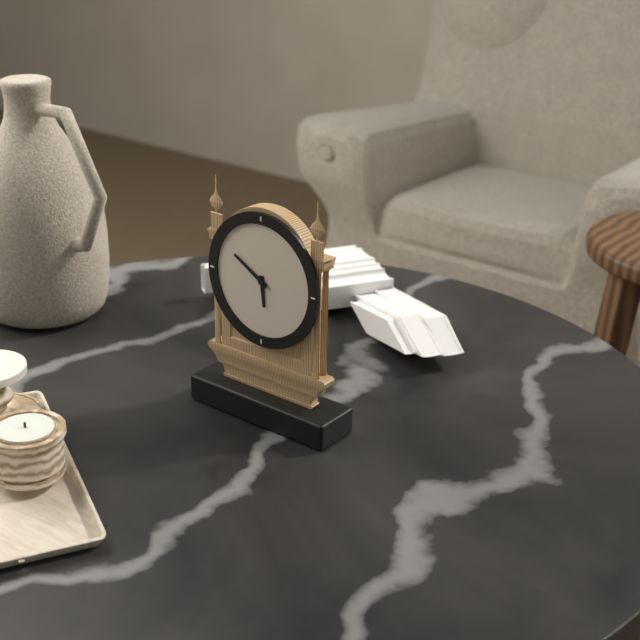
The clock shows 5h50
